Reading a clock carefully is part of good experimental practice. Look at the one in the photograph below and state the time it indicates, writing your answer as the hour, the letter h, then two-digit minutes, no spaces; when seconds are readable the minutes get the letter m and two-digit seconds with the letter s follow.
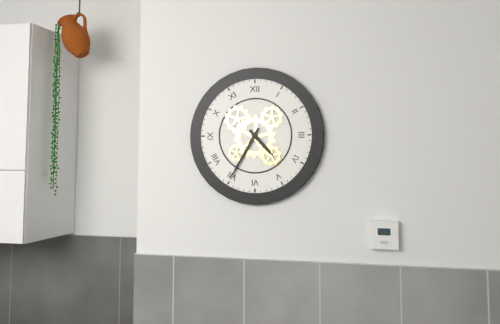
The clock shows 4h35
